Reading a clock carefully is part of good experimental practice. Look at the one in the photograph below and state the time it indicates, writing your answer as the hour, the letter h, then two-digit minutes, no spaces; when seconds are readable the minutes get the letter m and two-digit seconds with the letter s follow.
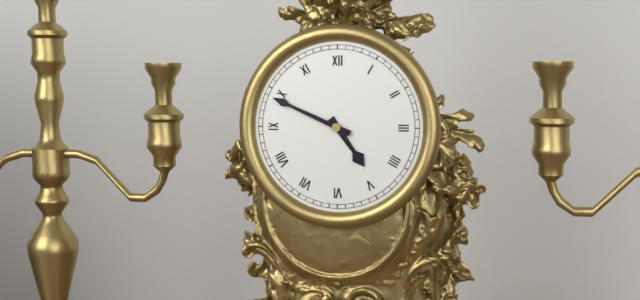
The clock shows 4h49
